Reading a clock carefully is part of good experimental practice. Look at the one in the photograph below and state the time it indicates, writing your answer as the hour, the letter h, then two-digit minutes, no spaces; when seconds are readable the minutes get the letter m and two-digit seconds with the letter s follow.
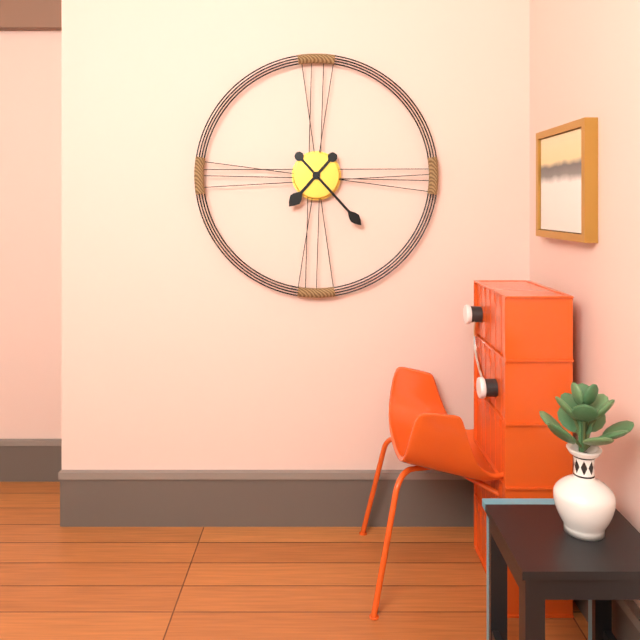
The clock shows 7h23
